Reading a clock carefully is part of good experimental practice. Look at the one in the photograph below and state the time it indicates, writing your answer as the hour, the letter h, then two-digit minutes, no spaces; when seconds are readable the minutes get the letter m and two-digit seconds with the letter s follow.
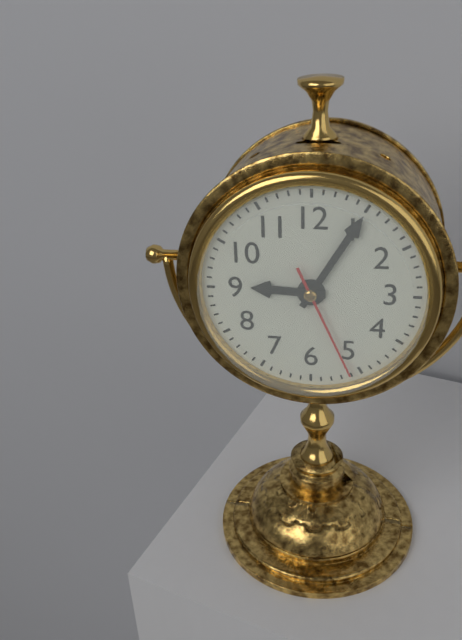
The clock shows 9h05m26s
